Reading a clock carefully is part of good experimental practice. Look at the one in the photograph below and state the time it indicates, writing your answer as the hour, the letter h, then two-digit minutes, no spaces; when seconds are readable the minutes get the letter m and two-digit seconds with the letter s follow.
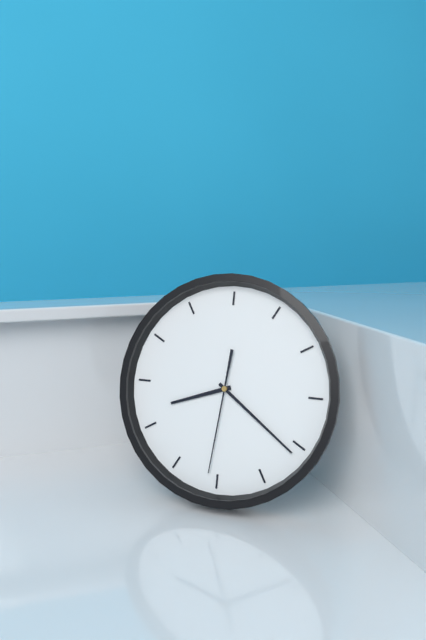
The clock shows 8h21m31s
